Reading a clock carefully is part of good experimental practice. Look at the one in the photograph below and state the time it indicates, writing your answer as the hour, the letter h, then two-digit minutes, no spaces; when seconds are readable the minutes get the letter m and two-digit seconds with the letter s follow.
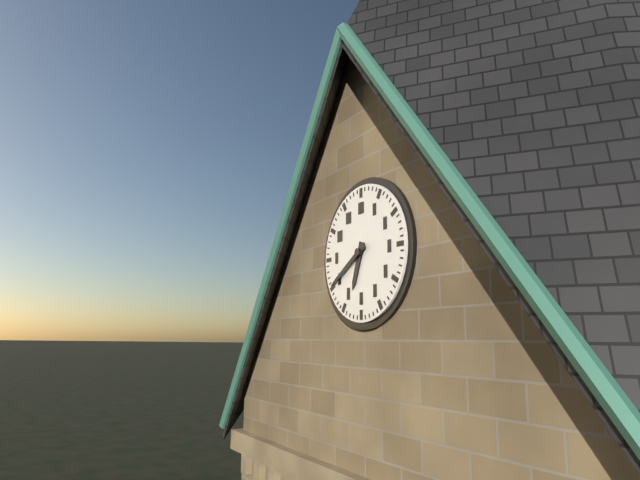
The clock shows 6h40
